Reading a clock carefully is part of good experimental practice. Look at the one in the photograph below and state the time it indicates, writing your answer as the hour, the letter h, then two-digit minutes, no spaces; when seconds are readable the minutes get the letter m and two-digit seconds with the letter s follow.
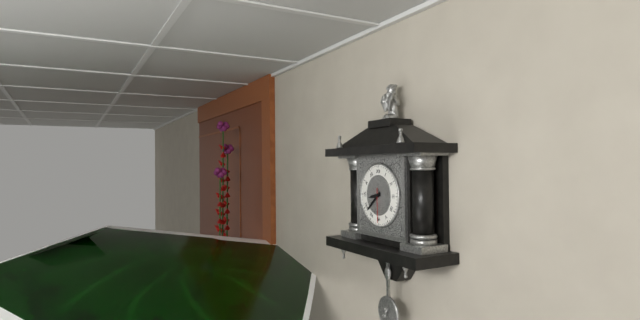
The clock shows 8h38
